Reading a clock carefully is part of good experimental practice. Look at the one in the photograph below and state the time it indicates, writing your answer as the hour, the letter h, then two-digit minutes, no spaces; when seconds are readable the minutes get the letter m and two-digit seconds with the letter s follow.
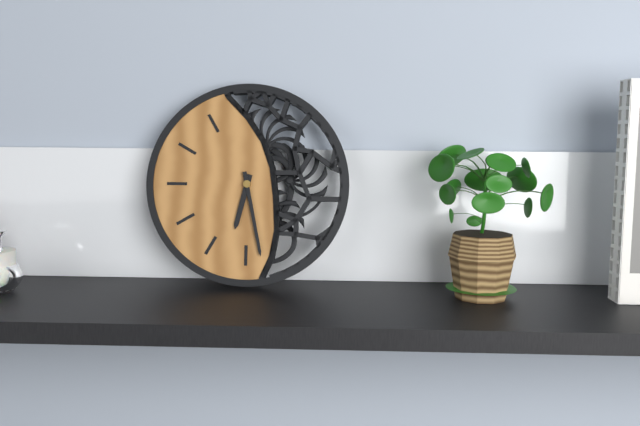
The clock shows 6h28
